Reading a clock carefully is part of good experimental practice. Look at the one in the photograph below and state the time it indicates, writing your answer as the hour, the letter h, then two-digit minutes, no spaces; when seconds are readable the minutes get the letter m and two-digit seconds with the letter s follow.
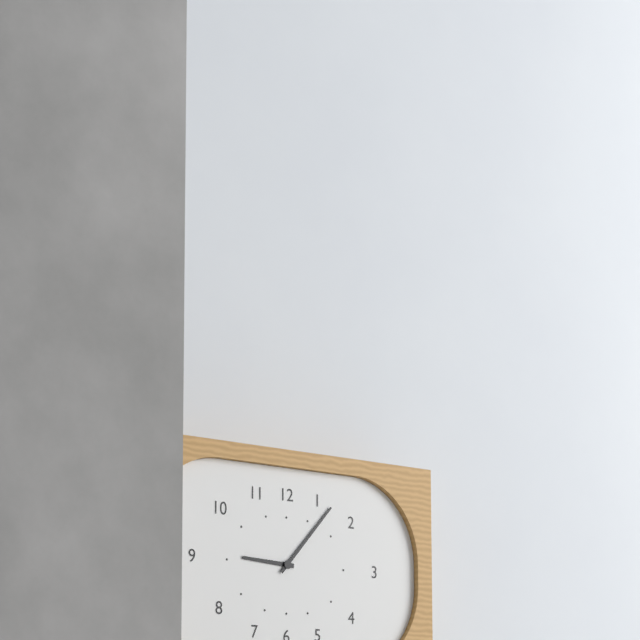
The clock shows 9h07
